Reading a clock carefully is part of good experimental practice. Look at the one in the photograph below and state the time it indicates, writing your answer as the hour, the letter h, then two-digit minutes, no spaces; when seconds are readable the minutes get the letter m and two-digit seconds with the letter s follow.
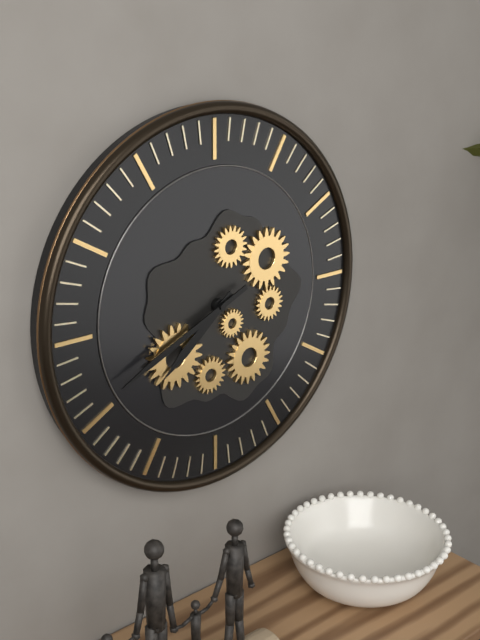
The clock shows 7h41
